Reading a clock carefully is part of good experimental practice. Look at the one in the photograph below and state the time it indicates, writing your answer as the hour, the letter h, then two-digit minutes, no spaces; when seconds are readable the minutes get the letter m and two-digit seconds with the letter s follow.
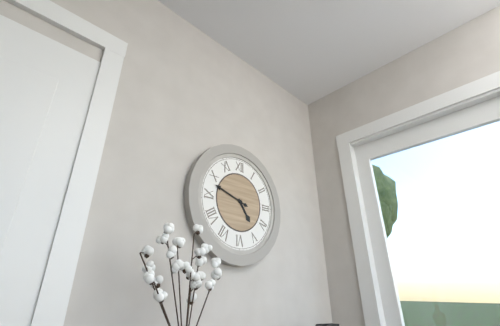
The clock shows 4h48
